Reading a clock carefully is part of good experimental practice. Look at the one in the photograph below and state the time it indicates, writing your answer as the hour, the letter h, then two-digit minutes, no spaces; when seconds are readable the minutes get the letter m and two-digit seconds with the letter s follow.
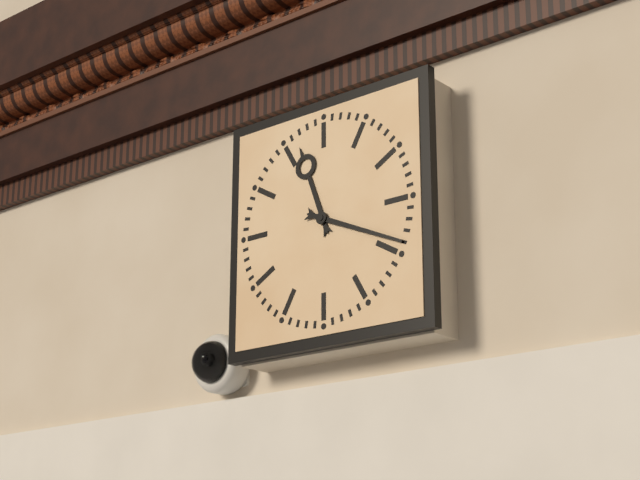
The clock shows 11h19
